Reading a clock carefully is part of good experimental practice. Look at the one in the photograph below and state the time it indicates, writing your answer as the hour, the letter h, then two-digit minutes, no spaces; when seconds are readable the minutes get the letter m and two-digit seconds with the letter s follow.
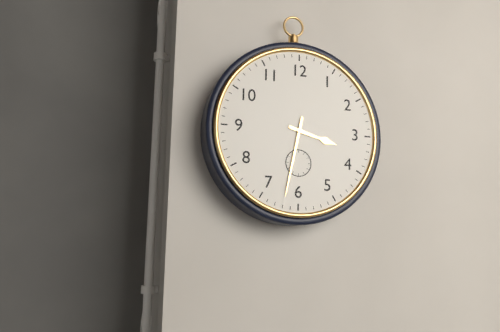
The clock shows 3h32
